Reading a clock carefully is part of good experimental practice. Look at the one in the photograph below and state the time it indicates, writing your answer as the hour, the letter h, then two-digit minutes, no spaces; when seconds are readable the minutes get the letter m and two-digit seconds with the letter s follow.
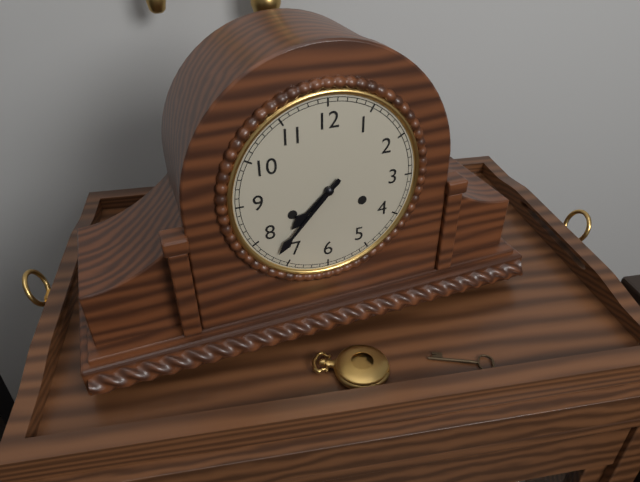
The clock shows 7h37
